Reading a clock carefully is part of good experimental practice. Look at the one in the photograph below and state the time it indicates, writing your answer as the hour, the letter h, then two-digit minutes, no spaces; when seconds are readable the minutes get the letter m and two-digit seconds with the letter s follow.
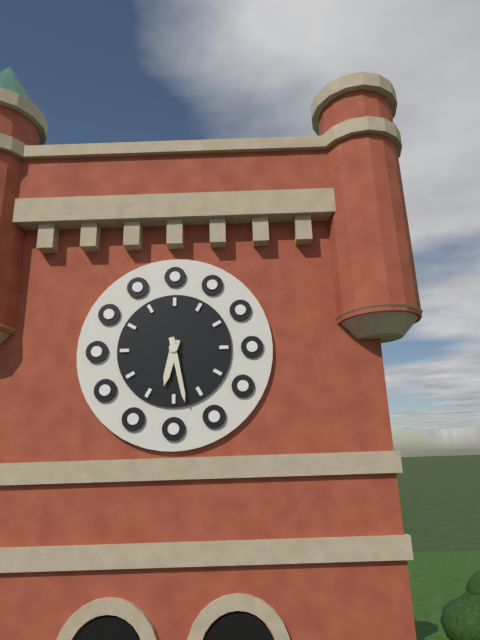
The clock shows 6h28
